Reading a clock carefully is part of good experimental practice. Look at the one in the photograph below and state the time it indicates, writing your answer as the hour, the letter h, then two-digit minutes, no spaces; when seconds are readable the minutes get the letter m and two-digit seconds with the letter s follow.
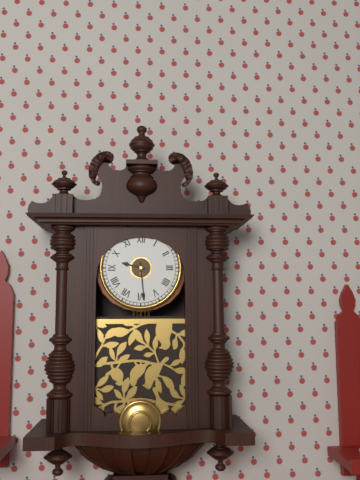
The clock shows 9h29
